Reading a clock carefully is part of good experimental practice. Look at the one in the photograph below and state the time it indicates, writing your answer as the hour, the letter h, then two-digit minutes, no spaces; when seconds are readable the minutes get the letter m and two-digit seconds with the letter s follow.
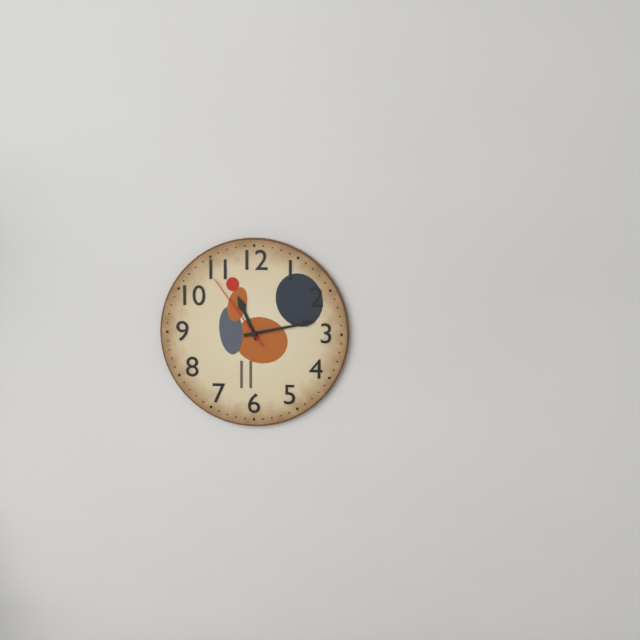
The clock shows 11h13m54s
